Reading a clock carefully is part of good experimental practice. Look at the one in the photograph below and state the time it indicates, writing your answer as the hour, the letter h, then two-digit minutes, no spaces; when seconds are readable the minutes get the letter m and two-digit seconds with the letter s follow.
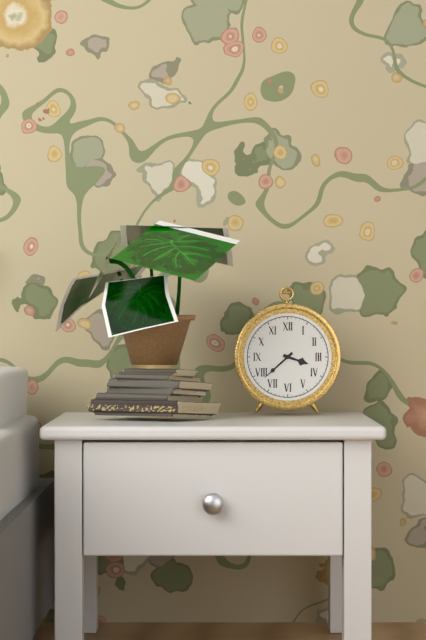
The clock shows 3h38
